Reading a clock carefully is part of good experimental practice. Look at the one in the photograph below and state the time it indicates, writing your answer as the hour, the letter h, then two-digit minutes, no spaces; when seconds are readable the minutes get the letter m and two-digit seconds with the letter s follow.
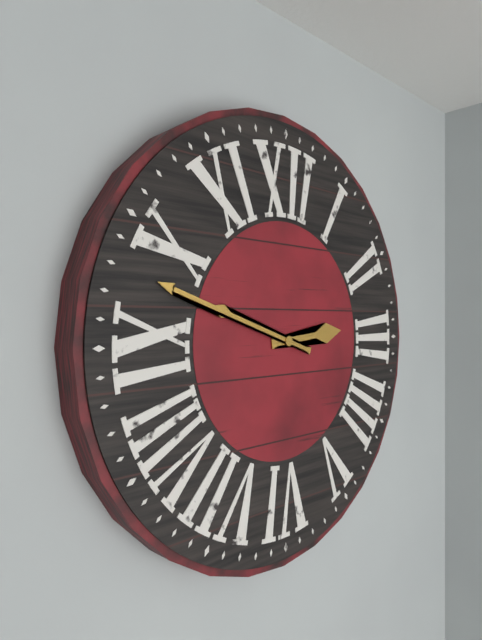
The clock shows 2h48
